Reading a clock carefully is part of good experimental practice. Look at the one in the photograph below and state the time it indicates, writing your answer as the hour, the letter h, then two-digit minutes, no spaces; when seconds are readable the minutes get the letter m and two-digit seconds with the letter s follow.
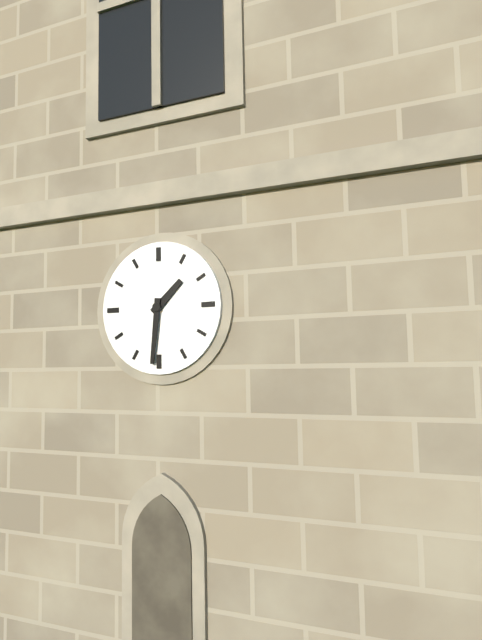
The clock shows 1h31
